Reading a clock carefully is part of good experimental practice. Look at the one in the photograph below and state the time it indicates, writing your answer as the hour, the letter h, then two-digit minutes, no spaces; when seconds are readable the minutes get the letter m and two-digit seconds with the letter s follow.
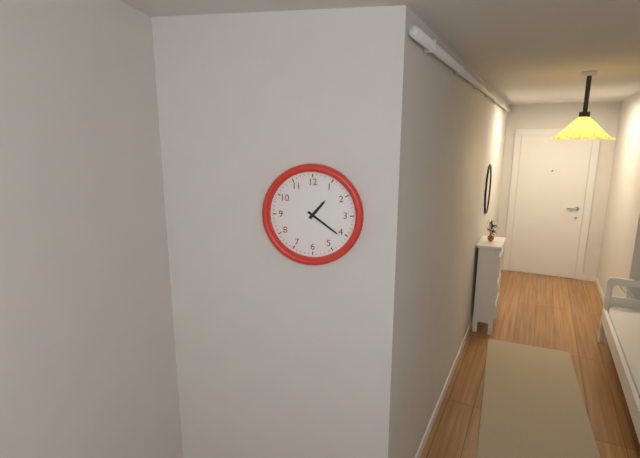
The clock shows 1h21
